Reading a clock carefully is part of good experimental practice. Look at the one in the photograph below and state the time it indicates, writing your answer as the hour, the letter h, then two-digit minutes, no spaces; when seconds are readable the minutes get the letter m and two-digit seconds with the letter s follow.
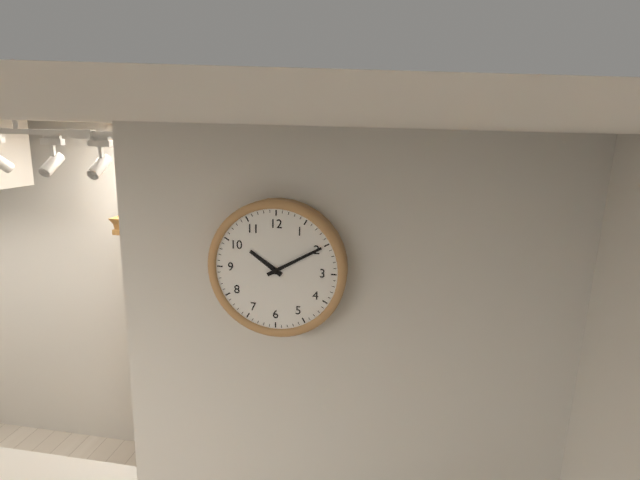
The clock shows 10h10
